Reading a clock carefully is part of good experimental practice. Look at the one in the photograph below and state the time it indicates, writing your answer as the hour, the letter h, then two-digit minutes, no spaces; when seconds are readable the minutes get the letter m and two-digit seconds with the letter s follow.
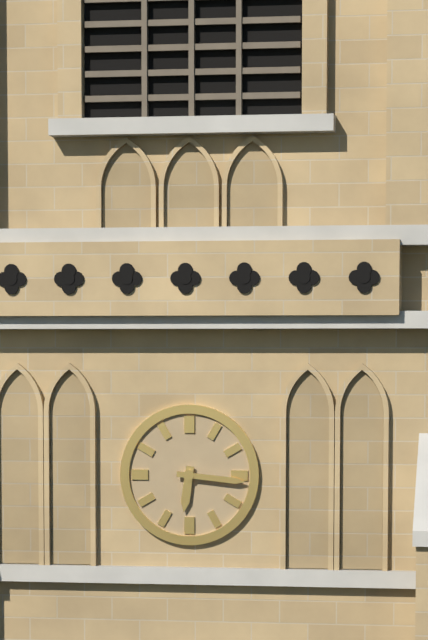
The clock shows 6h16
